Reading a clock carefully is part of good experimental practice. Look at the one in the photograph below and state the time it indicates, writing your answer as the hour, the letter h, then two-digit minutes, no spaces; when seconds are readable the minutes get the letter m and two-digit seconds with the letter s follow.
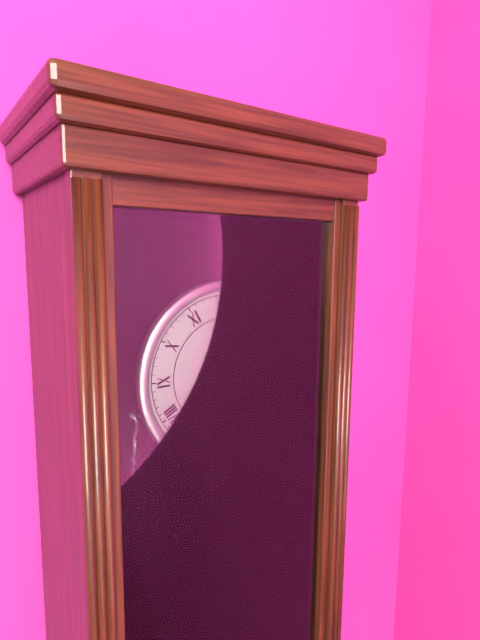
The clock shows 3h03
